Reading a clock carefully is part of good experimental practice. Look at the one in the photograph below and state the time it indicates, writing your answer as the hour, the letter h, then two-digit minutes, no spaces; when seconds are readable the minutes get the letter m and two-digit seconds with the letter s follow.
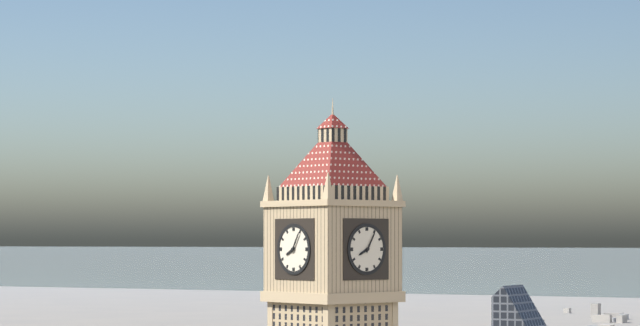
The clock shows 8h05
